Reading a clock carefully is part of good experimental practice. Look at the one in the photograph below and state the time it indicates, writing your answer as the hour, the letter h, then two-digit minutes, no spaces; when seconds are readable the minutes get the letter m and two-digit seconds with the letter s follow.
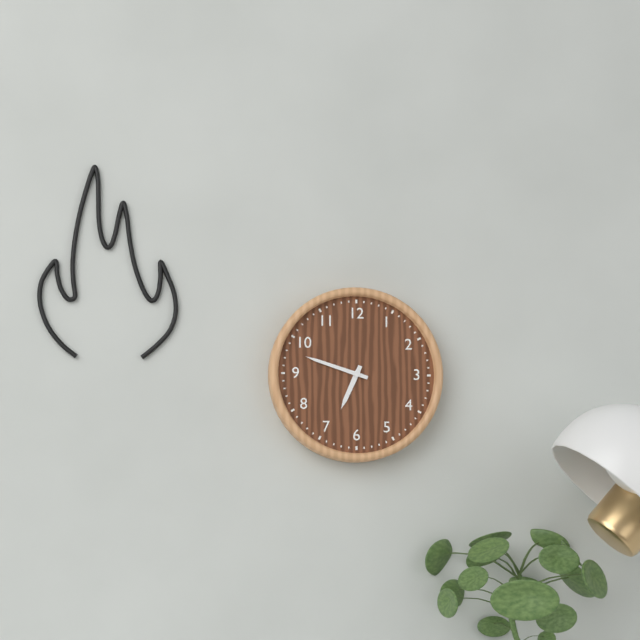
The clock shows 6h48
